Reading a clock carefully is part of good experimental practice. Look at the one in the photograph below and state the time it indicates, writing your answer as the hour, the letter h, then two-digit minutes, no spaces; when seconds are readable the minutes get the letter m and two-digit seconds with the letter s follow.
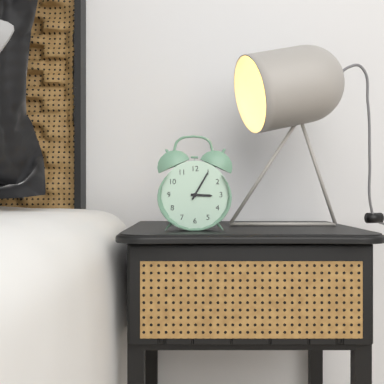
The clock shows 3h05
